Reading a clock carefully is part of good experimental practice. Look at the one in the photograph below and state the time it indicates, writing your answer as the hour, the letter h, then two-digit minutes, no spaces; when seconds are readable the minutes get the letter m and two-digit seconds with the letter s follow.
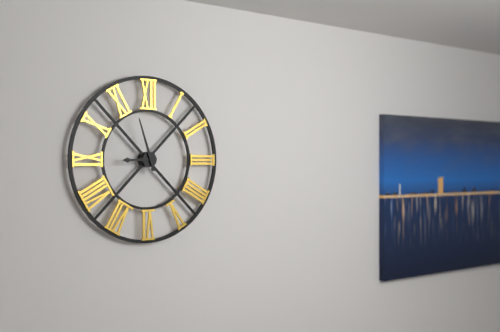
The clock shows 8h57
